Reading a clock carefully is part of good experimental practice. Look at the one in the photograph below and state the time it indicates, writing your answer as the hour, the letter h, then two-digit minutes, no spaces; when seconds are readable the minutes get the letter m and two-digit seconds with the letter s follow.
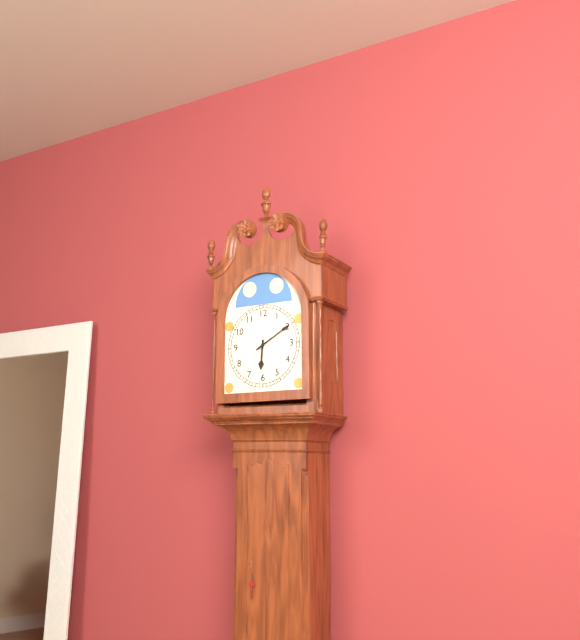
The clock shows 6h10
